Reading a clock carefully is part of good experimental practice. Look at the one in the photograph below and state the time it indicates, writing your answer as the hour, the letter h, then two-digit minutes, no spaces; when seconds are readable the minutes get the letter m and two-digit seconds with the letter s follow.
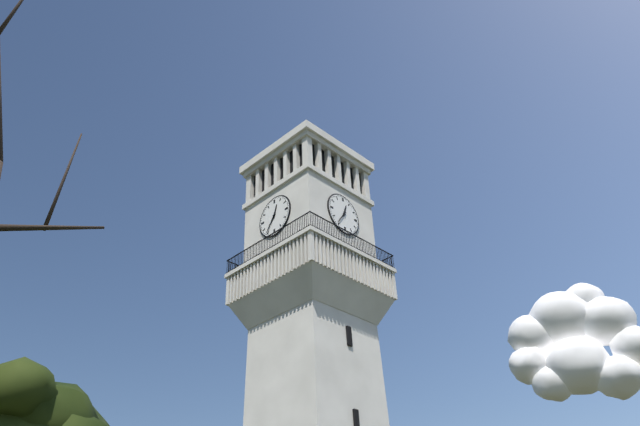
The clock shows 12h36
